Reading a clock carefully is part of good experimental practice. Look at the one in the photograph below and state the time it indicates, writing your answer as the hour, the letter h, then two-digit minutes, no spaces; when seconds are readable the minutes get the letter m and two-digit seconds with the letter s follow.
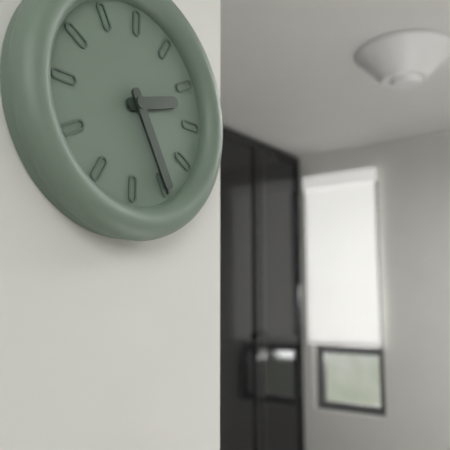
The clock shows 2h25
